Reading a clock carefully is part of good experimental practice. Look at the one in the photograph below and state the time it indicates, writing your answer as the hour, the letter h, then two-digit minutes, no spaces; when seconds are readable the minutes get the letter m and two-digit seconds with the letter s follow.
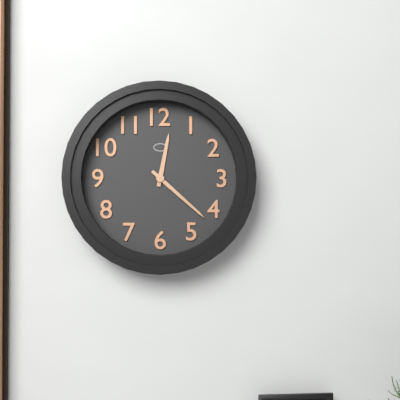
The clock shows 12h22
